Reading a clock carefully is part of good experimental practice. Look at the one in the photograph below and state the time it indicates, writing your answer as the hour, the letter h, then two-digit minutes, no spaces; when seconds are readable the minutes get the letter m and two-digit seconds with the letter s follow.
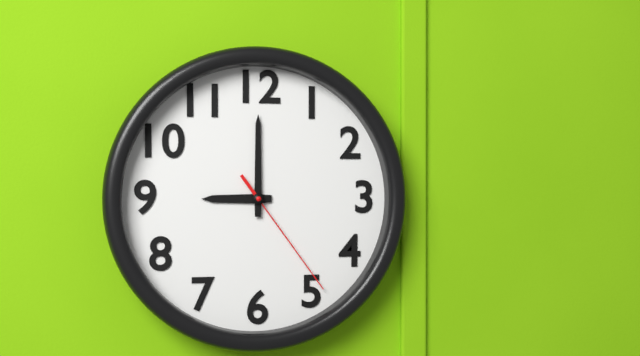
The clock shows 9h00m24s
